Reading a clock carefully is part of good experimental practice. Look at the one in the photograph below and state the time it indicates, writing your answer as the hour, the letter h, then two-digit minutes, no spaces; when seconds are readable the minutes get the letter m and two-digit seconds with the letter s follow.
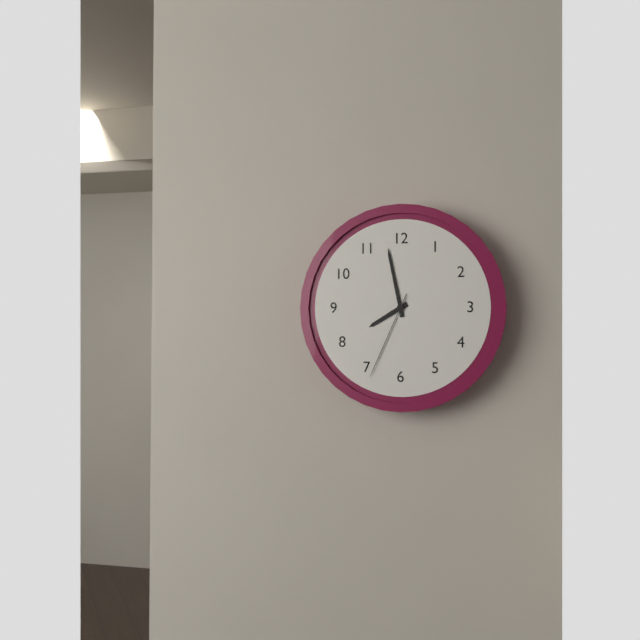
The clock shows 7h58m34s
